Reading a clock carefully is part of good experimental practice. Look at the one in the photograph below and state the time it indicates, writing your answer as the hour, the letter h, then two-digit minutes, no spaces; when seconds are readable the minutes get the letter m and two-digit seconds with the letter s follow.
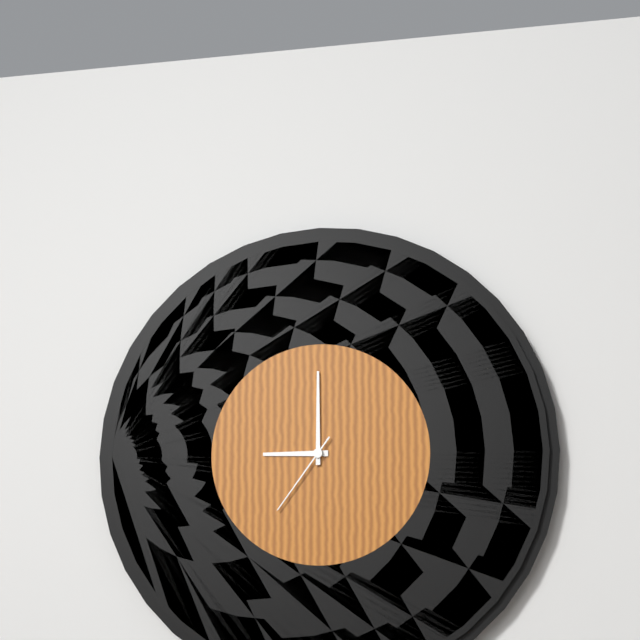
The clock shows 9h00m36s
